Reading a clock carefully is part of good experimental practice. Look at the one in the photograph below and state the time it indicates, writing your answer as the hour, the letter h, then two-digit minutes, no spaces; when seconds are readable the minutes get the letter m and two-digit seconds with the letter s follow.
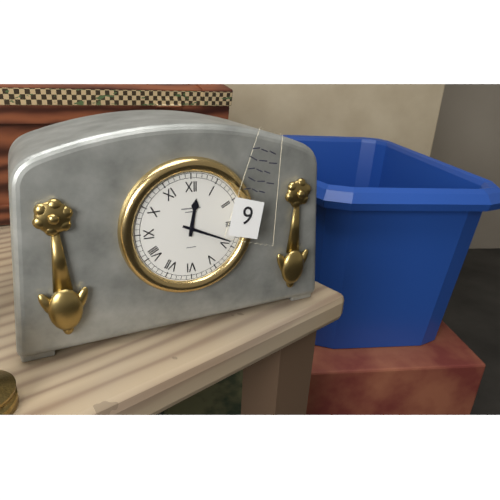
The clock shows 12h19
